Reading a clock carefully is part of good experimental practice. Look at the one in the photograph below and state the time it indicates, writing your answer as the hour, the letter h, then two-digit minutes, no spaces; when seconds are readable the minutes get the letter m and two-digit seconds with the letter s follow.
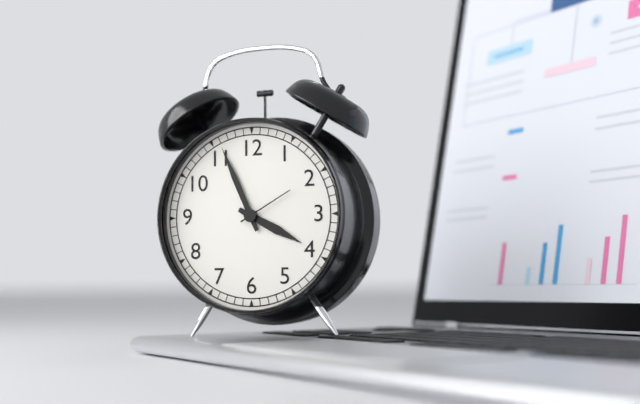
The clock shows 3h56m10s
